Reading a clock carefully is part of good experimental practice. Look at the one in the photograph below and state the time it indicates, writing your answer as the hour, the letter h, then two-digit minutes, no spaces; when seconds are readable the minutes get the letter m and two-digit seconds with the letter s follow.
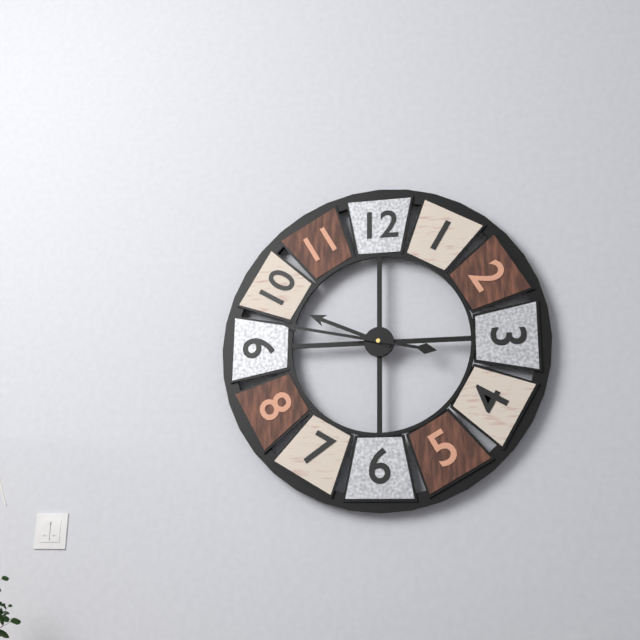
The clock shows 9h47
